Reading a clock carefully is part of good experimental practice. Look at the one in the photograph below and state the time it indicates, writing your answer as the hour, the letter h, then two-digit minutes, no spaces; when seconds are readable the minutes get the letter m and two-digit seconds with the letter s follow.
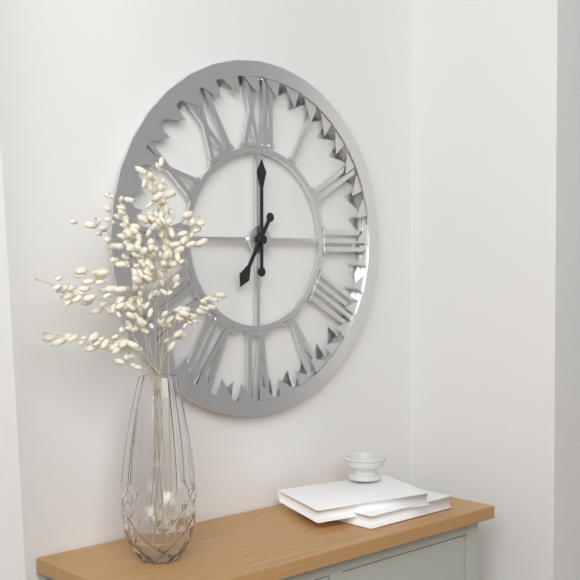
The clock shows 7h00
